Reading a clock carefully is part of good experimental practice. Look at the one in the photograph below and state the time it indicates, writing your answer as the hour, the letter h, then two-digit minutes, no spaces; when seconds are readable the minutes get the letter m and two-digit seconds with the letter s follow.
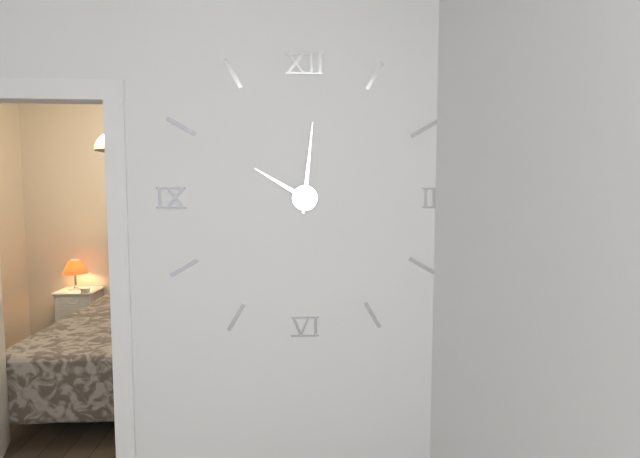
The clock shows 10h01
